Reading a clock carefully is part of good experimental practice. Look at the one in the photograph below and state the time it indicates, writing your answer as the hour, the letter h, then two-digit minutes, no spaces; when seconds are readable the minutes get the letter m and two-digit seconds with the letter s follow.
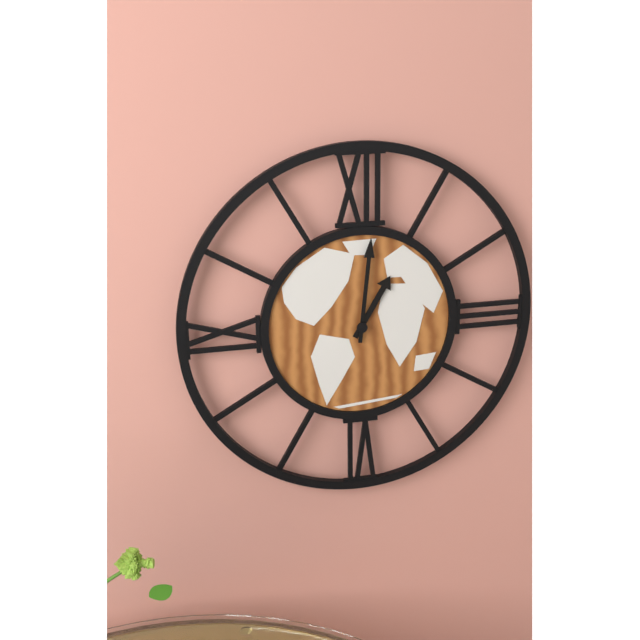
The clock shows 1h01
